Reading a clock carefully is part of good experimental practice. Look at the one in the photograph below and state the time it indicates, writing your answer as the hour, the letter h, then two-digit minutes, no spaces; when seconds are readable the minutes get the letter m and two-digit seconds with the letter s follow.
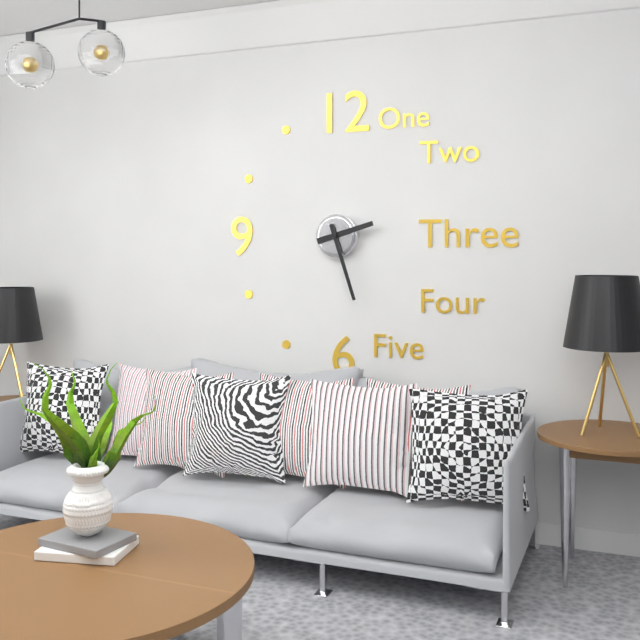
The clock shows 2h27
